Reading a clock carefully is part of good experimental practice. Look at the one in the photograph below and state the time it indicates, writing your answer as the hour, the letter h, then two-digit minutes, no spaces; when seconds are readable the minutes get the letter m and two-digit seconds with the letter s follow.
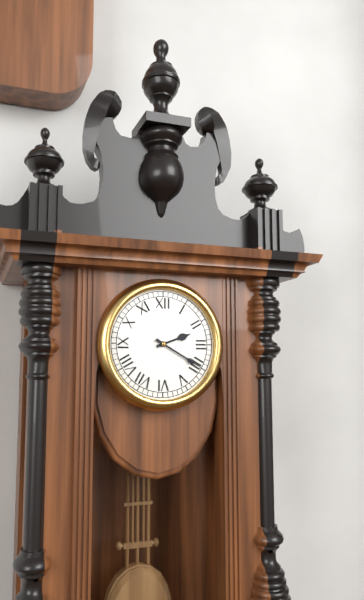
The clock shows 2h20
